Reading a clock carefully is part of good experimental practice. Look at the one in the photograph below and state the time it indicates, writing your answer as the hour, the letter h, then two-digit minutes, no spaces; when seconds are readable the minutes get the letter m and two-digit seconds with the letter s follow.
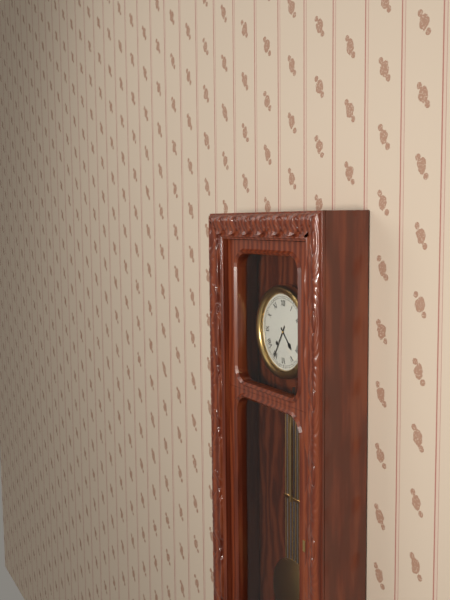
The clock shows 4h35
